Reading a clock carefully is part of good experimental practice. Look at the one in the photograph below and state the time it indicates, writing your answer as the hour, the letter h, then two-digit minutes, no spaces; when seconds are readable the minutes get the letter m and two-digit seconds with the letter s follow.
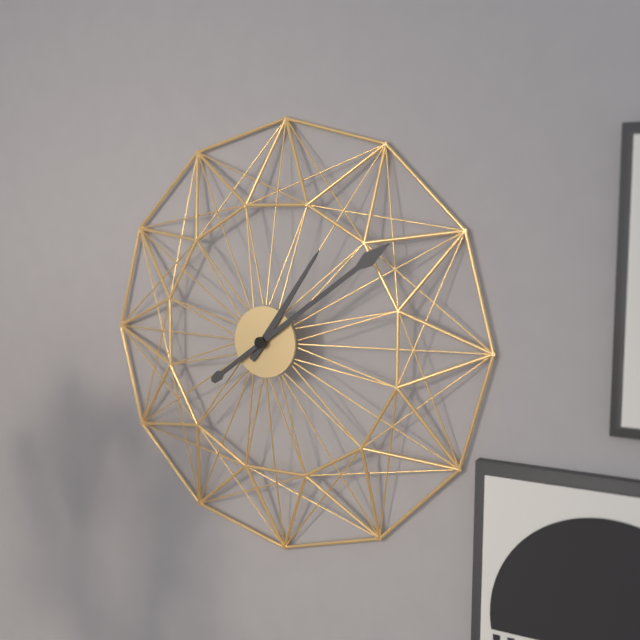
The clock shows 1h09
